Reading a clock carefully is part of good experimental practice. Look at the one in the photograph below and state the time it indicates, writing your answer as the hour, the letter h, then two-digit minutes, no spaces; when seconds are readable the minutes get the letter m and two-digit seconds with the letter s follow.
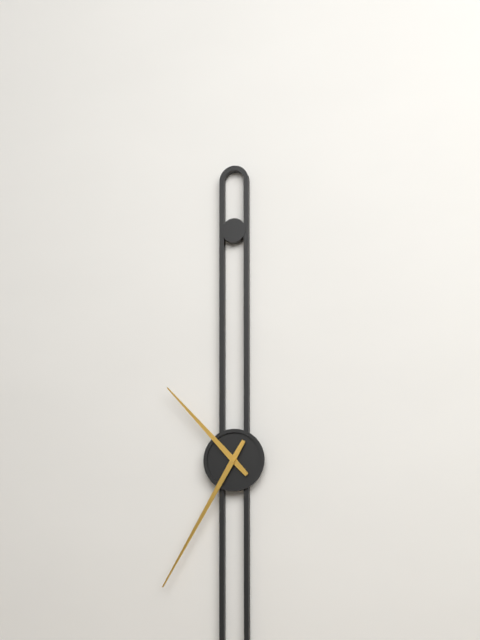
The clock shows 10h35
